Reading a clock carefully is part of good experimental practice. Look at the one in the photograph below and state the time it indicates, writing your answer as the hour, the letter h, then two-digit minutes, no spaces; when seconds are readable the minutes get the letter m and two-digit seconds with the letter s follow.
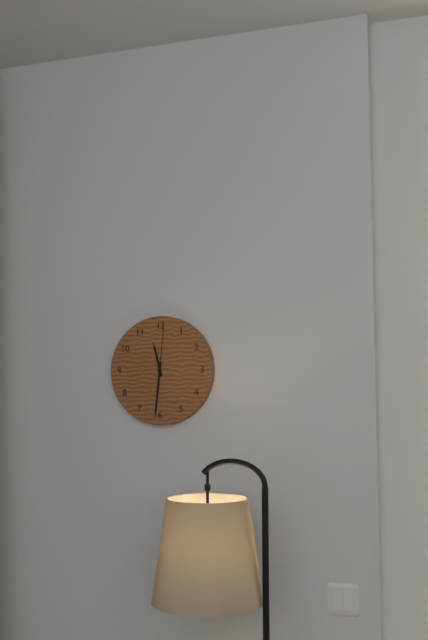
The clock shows 11h31m01s
